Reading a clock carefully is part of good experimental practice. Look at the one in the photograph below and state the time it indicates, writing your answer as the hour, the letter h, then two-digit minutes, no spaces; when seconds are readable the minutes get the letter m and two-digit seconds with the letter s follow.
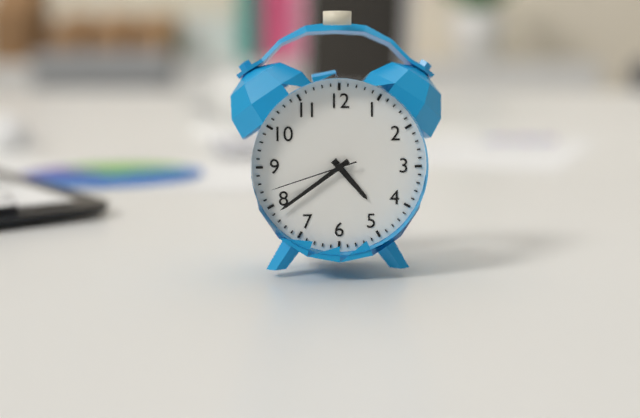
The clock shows 4h39m42s
